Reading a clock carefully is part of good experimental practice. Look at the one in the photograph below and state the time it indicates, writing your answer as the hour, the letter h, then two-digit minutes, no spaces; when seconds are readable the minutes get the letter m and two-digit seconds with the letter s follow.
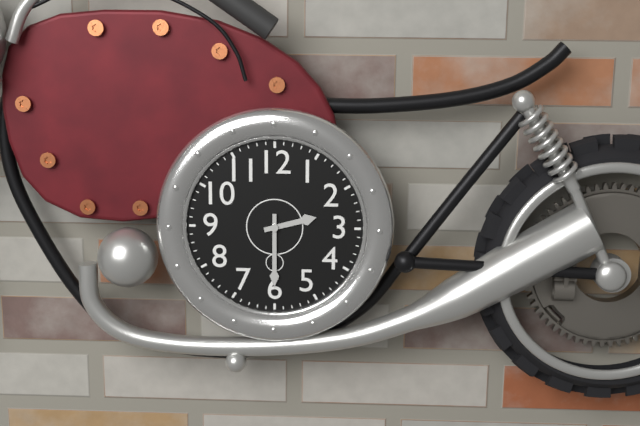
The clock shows 2h30
